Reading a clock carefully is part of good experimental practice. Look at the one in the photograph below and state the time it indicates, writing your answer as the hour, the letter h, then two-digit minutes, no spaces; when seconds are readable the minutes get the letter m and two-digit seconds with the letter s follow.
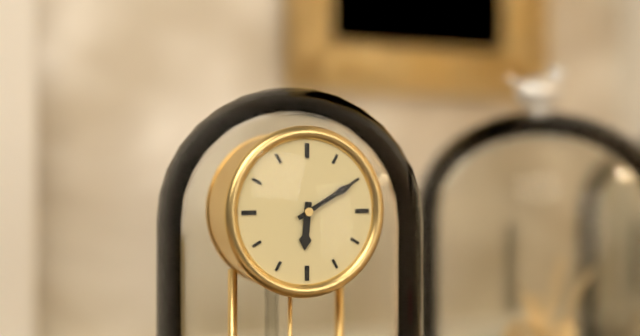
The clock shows 6h10
